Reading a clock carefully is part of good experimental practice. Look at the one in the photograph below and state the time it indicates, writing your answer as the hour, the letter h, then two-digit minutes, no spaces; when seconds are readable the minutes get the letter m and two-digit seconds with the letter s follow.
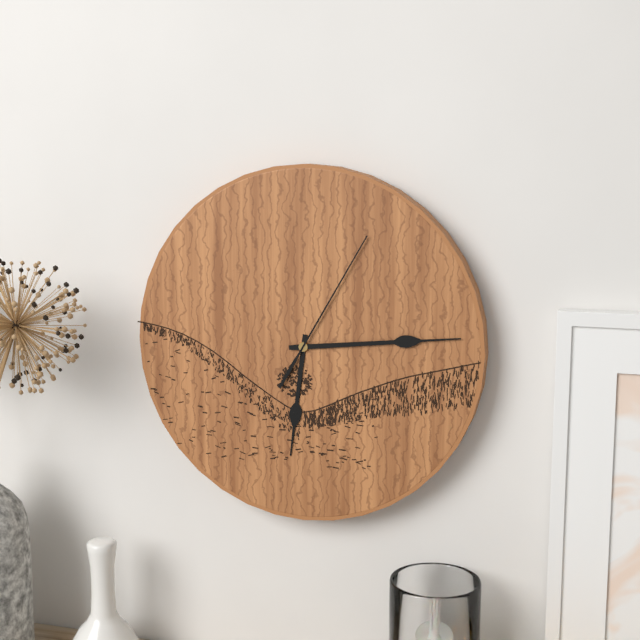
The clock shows 6h14m05s
